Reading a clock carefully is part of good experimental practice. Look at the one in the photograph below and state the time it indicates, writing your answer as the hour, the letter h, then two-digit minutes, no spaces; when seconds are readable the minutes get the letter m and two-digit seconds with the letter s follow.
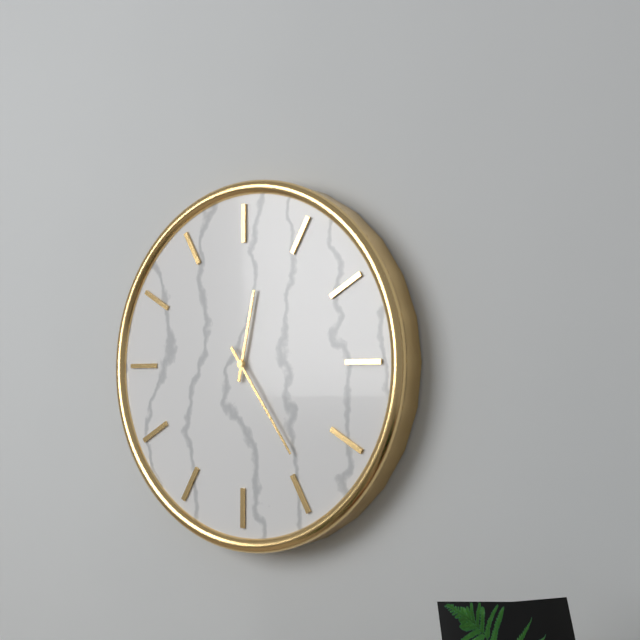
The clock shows 12h24
